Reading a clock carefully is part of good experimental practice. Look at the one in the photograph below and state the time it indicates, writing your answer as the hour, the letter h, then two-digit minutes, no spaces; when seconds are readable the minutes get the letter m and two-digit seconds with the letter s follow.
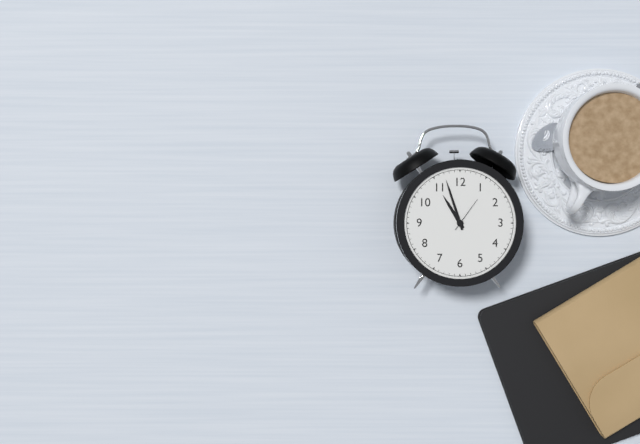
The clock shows 10h57
